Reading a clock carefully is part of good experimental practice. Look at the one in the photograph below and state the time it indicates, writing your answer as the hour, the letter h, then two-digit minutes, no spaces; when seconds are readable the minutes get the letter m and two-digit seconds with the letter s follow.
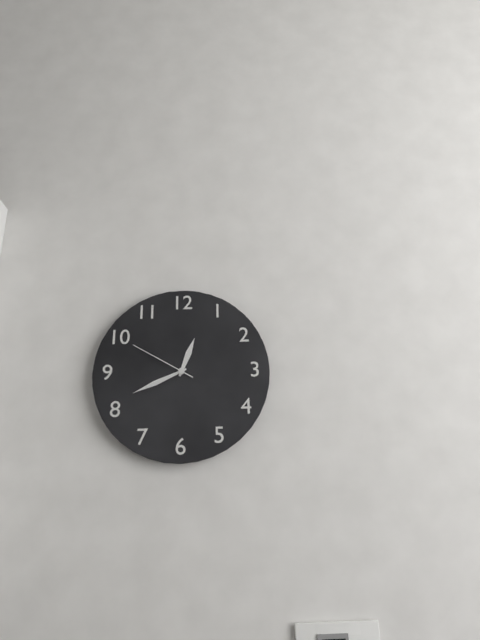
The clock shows 12h41m50s
